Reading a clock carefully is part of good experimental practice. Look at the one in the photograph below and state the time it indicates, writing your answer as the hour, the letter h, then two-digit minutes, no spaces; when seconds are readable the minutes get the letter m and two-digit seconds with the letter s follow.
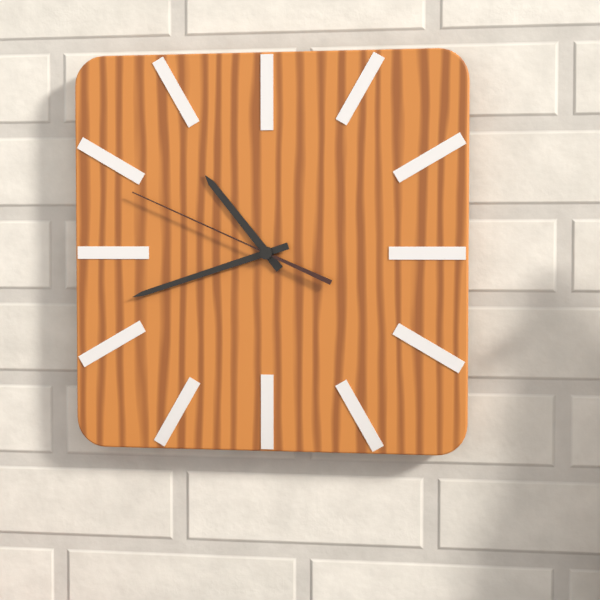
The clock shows 10h42m49s
